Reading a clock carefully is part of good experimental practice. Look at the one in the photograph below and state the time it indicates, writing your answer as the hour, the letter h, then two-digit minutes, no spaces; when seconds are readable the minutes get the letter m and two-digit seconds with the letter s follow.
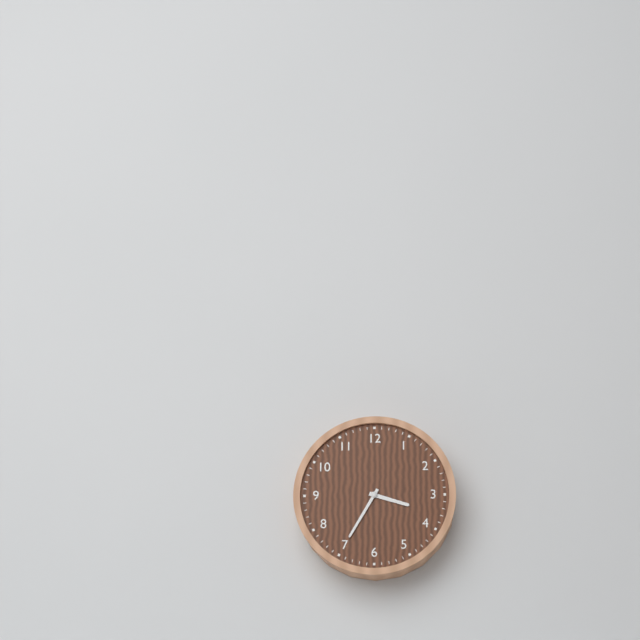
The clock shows 3h35
